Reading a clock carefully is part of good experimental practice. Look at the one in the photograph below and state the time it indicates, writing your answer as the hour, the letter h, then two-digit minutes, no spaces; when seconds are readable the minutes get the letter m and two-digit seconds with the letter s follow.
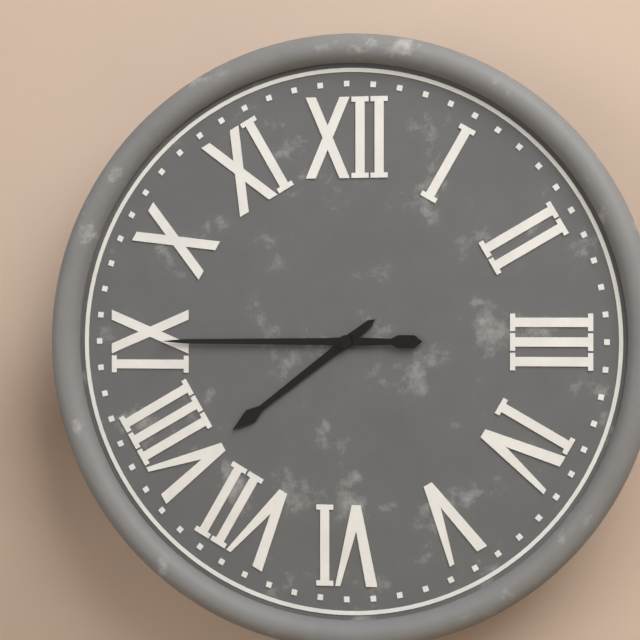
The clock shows 7h45
